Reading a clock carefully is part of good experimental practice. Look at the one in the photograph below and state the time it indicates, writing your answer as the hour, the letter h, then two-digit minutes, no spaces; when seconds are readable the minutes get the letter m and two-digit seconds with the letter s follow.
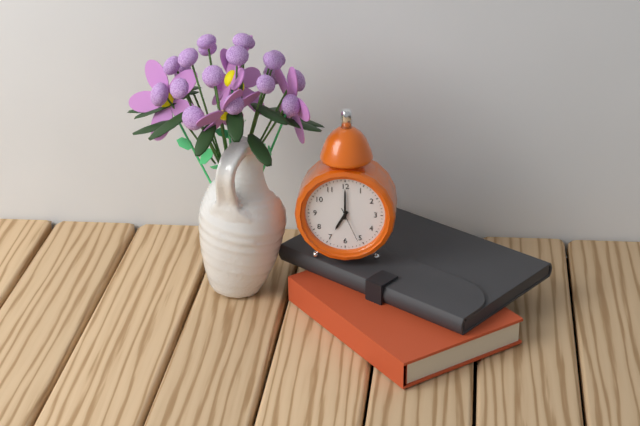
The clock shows 7h00
